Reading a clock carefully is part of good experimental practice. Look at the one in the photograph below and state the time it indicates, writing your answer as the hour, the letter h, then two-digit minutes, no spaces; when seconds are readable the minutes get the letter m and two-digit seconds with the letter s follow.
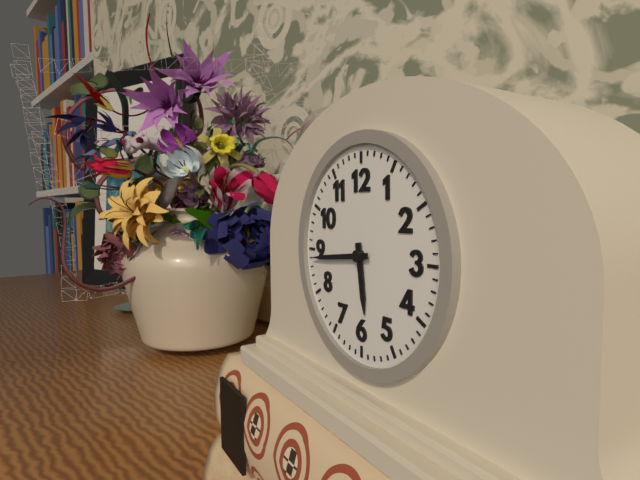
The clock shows 5h44
